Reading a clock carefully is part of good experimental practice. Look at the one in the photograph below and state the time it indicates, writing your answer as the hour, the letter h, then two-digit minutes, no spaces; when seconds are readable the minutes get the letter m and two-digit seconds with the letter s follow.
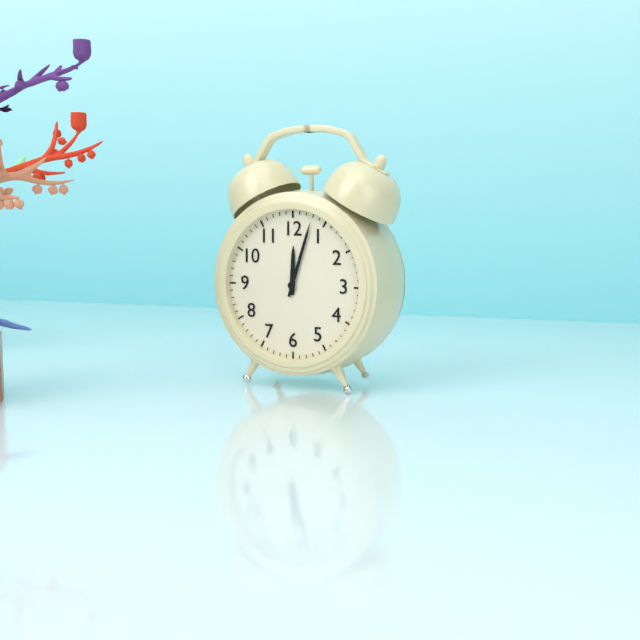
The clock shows 12h03
